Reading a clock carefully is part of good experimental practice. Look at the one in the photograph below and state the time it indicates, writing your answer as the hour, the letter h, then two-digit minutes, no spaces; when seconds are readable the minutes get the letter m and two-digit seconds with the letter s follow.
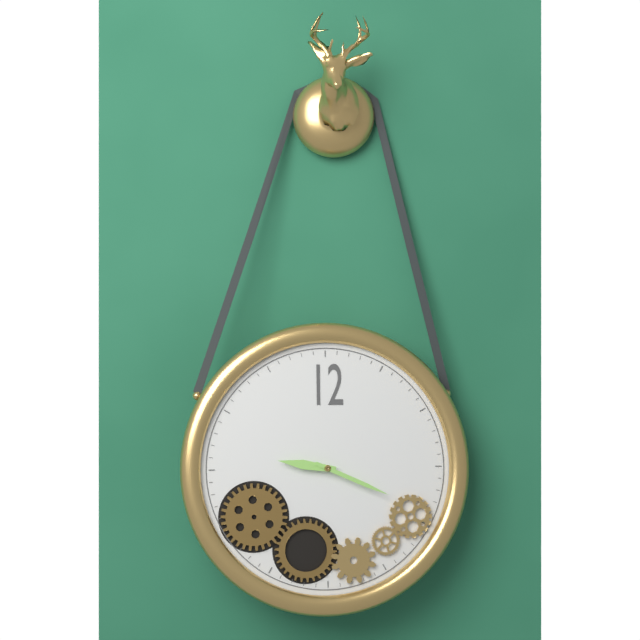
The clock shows 9h19
